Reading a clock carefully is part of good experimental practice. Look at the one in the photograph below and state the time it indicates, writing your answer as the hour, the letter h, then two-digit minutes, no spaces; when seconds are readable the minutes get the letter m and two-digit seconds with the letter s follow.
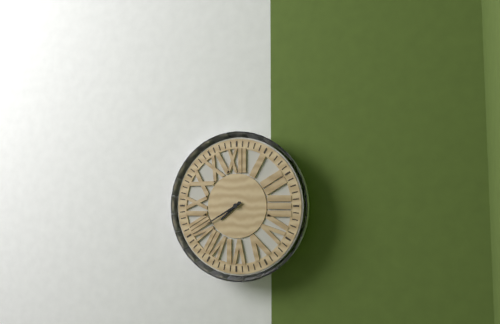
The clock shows 7h40
